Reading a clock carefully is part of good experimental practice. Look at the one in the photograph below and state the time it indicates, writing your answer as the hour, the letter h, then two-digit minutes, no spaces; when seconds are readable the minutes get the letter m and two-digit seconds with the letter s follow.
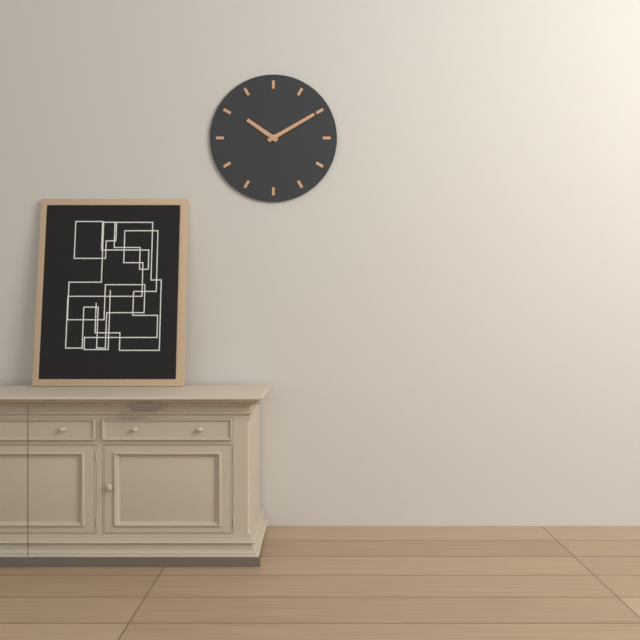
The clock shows 10h10
